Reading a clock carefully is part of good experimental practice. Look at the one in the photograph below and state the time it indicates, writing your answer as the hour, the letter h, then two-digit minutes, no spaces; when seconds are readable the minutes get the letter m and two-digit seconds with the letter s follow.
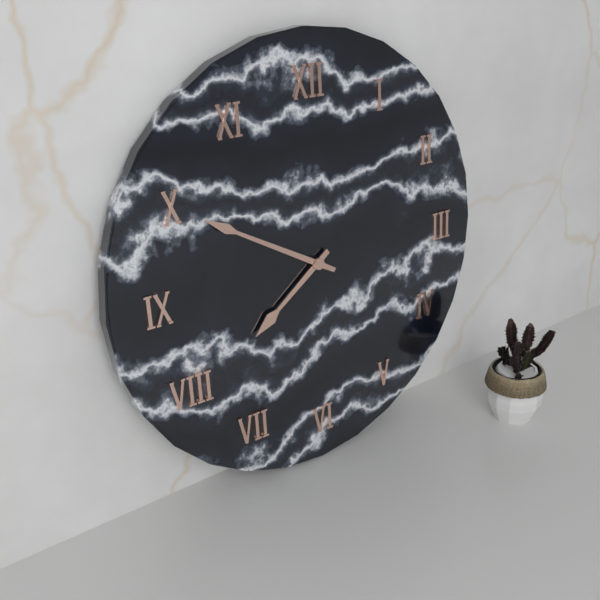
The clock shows 7h50
